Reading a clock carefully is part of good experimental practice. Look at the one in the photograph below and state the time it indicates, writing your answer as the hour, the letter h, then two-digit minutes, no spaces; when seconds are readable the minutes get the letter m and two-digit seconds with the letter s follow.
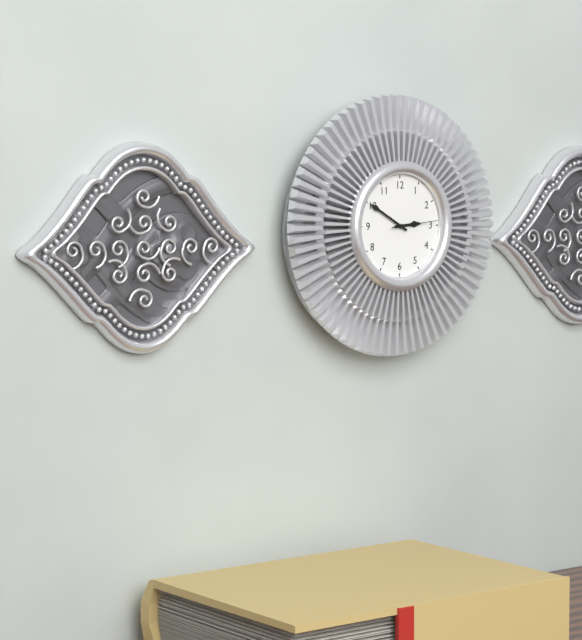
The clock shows 2h50
